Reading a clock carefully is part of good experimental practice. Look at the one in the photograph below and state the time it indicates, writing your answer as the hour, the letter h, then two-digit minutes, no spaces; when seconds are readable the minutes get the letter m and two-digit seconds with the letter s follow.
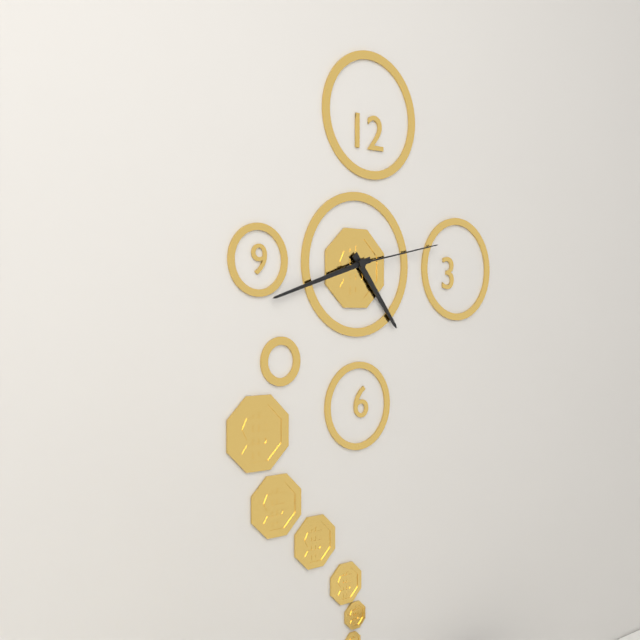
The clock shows 4h42m13s
